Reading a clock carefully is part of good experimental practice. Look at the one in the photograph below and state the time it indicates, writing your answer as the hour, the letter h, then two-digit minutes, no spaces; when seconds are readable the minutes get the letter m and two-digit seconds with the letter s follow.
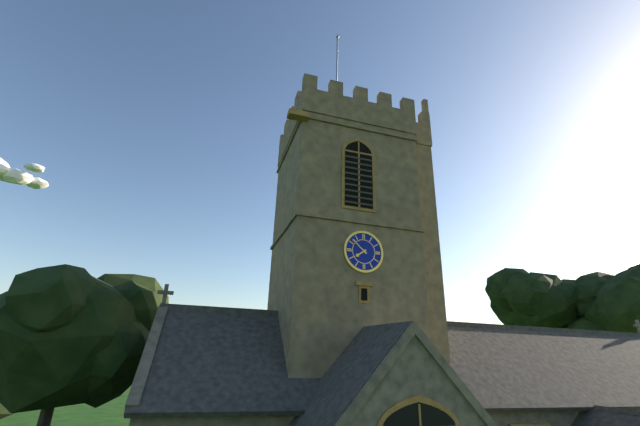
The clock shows 7h52
